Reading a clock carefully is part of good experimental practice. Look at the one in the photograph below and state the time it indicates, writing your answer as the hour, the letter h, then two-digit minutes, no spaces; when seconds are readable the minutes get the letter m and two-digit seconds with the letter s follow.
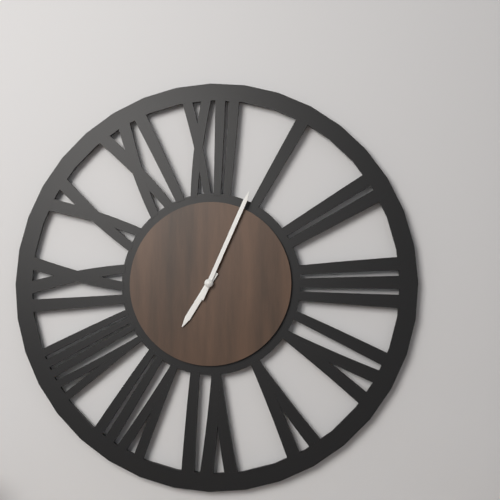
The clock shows 7h04
